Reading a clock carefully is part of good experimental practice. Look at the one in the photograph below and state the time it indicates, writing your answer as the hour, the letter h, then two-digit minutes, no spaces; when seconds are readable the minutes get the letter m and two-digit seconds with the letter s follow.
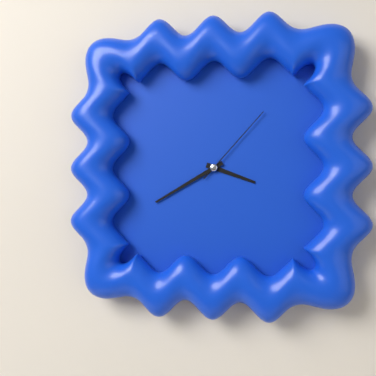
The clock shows 3h40m07s
